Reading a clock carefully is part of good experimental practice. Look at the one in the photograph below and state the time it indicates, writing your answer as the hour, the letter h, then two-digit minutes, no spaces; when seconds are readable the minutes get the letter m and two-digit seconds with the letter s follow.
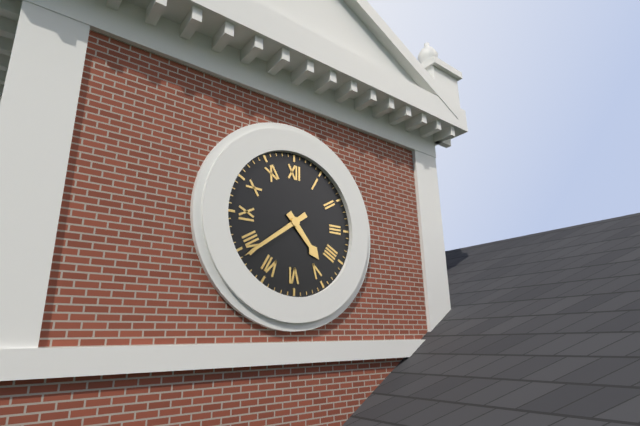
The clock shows 4h39
